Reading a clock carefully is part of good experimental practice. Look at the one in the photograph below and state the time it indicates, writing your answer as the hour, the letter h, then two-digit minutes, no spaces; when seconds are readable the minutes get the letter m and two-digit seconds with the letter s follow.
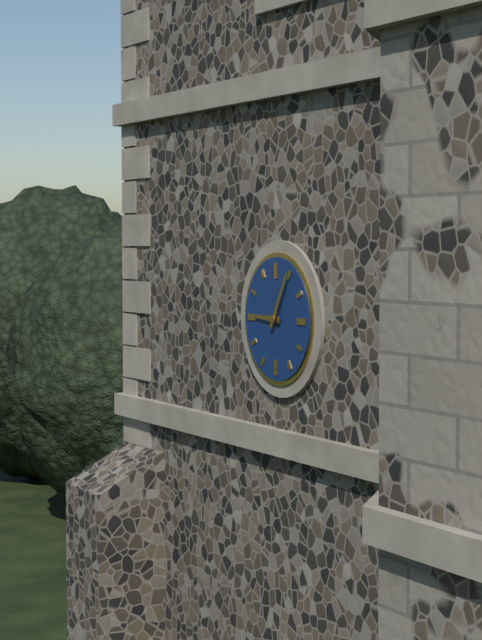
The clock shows 9h05
